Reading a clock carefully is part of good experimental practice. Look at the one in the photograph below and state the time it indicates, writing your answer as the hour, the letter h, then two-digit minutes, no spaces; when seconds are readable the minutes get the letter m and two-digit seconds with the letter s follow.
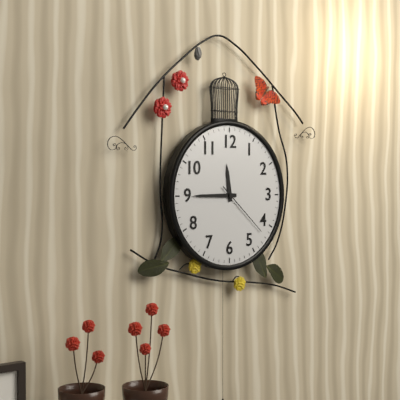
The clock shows 11h45m22s
